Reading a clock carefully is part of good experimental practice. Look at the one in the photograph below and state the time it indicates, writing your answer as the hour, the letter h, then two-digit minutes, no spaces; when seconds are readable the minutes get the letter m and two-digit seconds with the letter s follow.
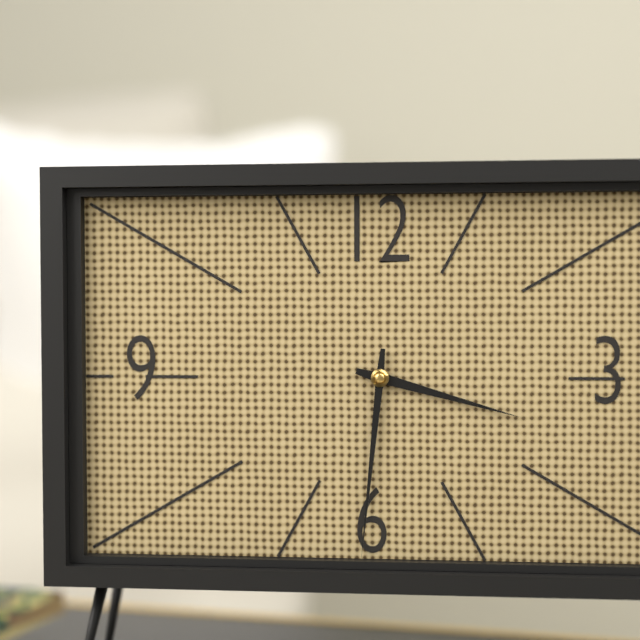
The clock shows 3h31
